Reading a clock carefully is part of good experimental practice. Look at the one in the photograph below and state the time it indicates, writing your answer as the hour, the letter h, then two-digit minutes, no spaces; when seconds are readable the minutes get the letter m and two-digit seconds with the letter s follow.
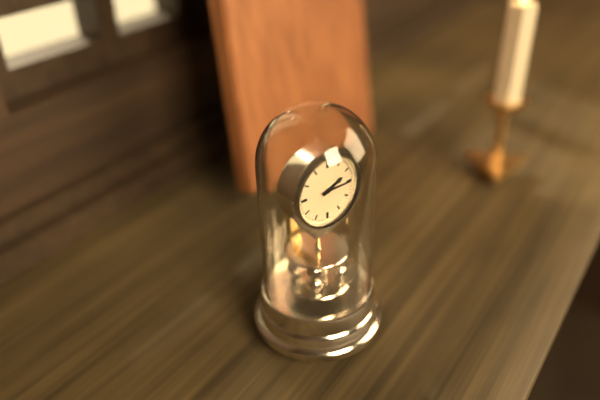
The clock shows 2h15
